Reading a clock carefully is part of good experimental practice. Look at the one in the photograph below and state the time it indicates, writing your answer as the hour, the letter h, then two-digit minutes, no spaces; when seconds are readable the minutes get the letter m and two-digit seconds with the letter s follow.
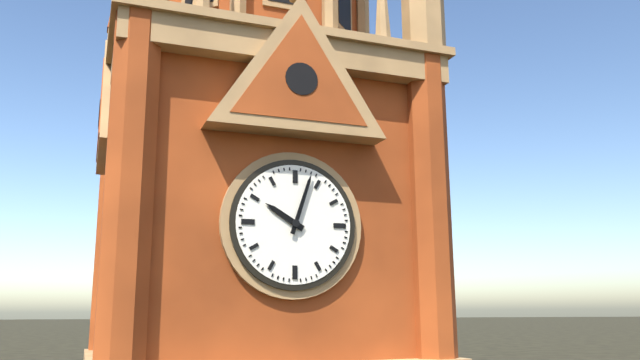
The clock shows 10h03
